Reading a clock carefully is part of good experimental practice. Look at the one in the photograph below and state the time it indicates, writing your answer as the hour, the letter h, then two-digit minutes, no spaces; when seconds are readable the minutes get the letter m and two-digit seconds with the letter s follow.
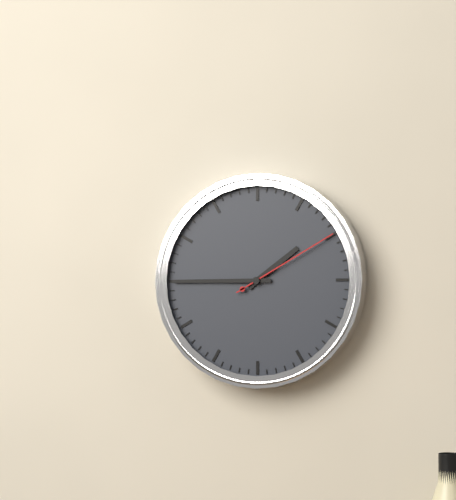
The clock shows 1h45m10s
